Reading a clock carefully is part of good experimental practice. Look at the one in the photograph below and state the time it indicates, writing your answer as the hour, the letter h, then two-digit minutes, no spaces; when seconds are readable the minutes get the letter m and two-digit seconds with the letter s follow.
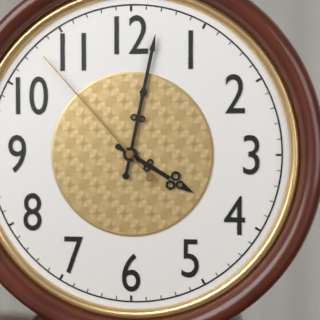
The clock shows 4h02m53s
